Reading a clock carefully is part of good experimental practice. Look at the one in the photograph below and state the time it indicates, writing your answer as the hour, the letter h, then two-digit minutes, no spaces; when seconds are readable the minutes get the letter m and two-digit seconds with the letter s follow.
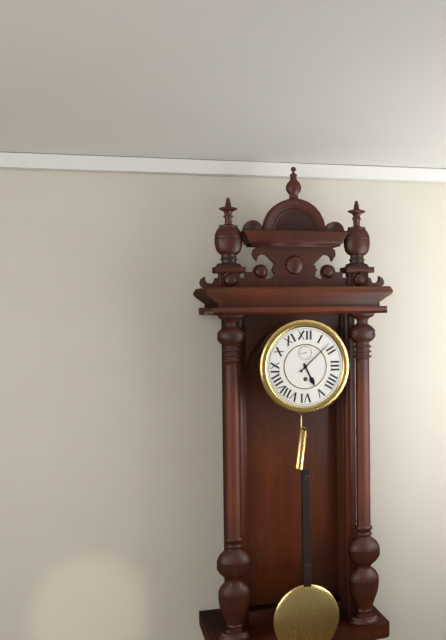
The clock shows 5h08
